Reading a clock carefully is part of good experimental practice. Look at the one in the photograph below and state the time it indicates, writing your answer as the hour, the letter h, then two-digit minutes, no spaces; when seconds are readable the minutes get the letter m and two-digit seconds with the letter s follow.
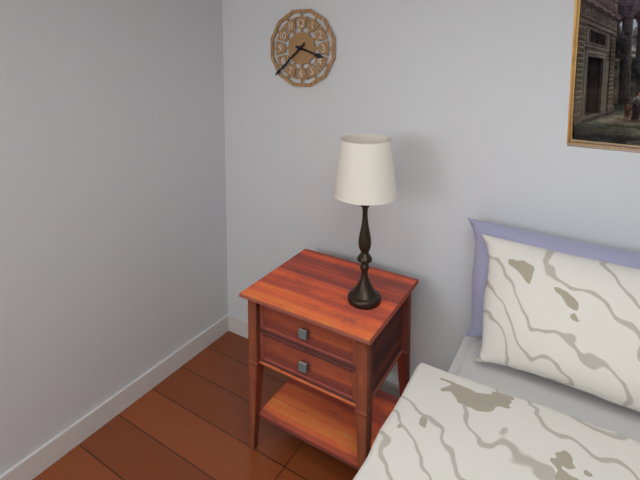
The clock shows 3h38
